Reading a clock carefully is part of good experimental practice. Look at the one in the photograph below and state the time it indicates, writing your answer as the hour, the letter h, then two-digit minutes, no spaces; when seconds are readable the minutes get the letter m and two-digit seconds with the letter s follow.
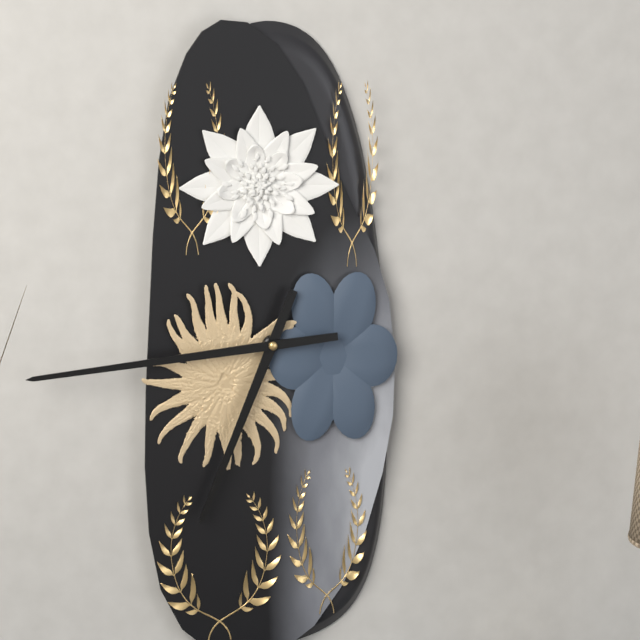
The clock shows 6h44
